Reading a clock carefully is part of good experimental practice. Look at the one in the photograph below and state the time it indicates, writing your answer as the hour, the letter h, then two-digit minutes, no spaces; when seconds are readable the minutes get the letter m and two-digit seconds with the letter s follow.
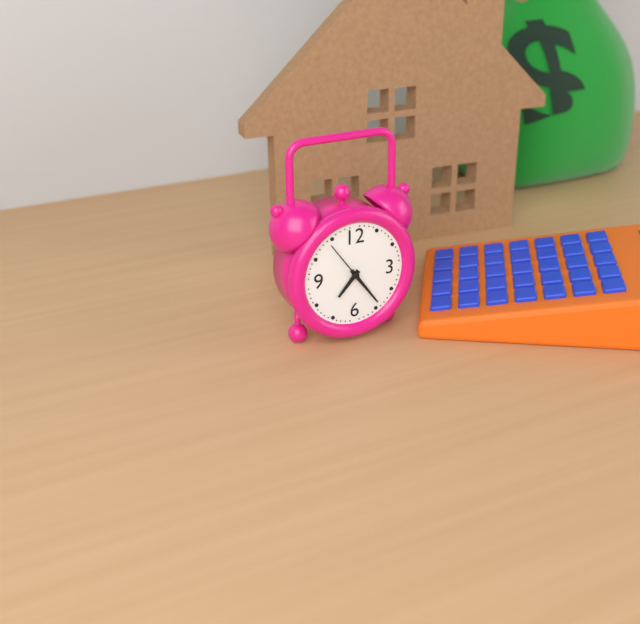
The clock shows 7h24
